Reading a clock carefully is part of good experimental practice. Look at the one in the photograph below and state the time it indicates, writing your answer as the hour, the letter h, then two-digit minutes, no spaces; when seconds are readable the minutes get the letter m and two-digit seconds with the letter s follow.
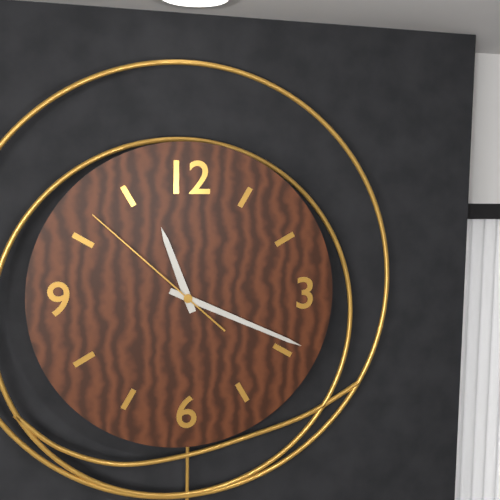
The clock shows 11h19m52s
